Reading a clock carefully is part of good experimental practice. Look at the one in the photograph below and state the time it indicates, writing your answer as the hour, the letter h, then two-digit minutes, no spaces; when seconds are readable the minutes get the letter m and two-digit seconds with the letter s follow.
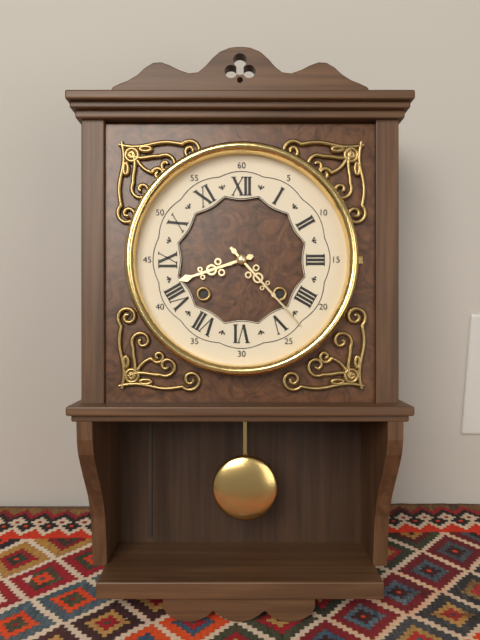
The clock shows 8h23
